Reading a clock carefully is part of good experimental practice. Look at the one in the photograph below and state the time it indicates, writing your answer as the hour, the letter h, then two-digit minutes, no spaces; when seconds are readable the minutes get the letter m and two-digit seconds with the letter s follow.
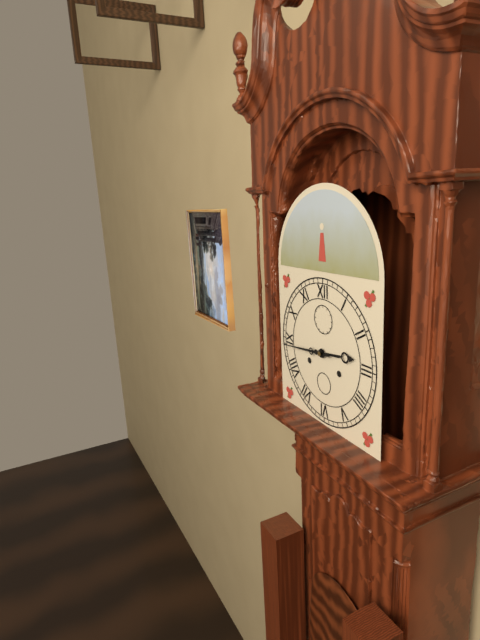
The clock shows 2h44
